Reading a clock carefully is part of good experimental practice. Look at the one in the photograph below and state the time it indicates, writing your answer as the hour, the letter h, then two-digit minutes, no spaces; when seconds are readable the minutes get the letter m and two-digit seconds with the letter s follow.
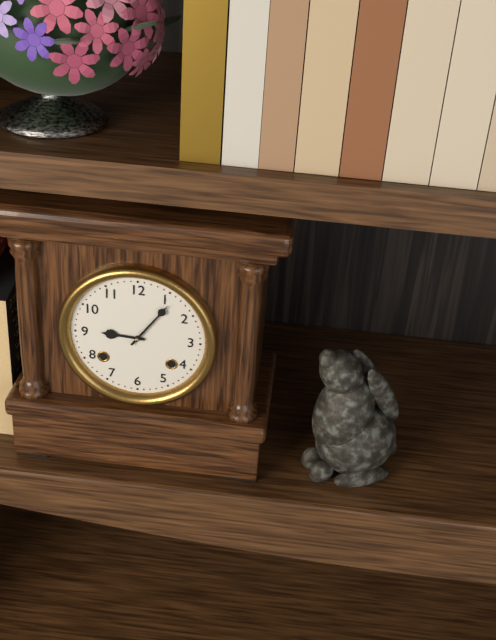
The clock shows 9h06
